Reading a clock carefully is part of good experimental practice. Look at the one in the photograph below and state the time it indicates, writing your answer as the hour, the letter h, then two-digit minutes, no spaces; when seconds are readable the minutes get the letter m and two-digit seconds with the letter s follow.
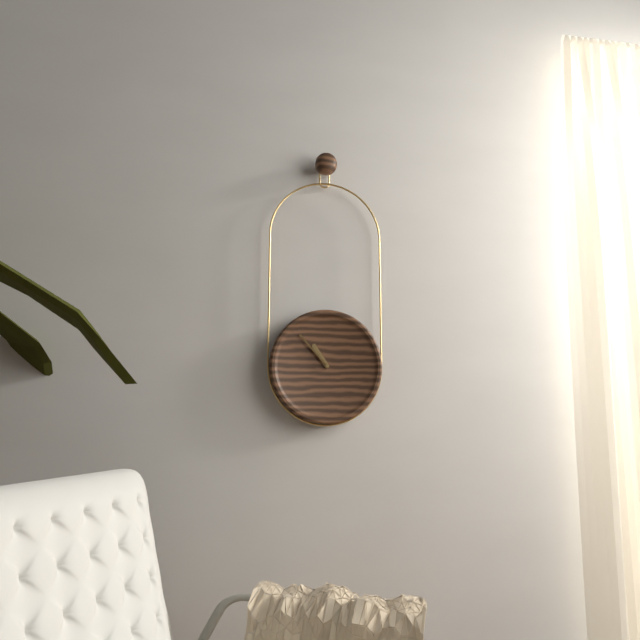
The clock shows 10h53
